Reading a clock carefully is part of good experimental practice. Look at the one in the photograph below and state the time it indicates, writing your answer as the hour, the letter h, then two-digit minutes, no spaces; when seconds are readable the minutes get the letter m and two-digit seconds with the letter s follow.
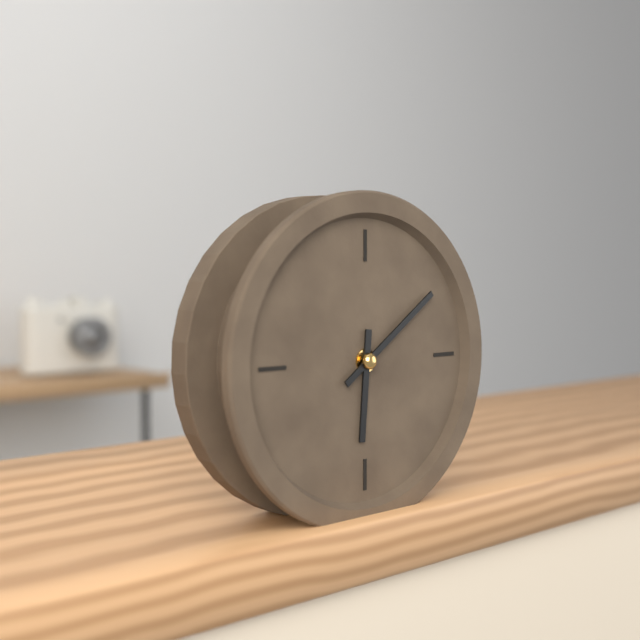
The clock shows 6h09
